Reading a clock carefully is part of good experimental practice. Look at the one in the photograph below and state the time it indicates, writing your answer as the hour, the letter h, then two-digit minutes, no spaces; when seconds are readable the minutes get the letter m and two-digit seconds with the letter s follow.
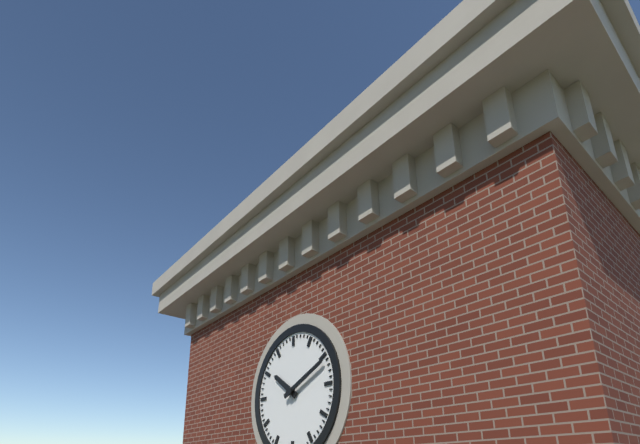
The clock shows 10h11
